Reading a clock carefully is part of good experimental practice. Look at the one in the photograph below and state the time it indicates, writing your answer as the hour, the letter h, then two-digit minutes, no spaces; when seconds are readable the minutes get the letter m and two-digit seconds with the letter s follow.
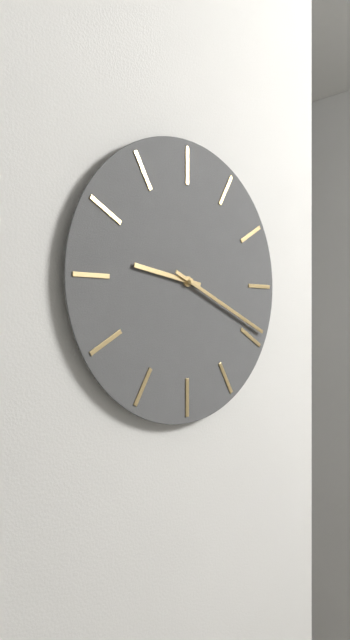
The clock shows 9h19
